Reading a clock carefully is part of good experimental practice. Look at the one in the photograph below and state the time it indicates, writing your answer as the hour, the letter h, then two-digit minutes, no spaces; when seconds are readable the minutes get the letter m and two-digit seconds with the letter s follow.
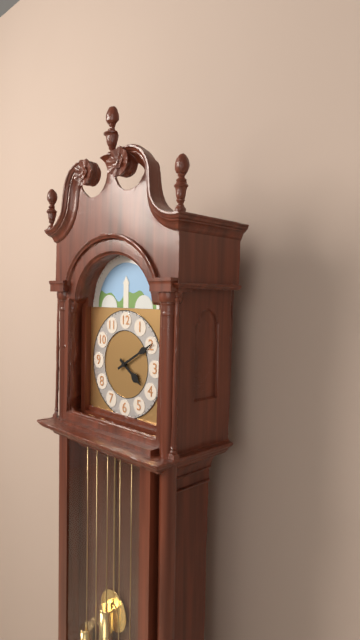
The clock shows 4h10
